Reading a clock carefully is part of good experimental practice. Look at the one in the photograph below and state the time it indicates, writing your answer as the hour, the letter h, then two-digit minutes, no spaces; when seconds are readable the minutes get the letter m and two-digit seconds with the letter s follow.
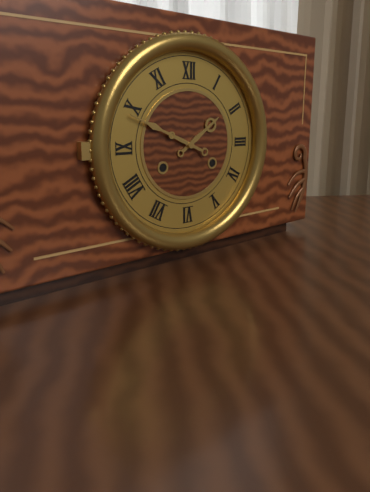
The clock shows 1h49
